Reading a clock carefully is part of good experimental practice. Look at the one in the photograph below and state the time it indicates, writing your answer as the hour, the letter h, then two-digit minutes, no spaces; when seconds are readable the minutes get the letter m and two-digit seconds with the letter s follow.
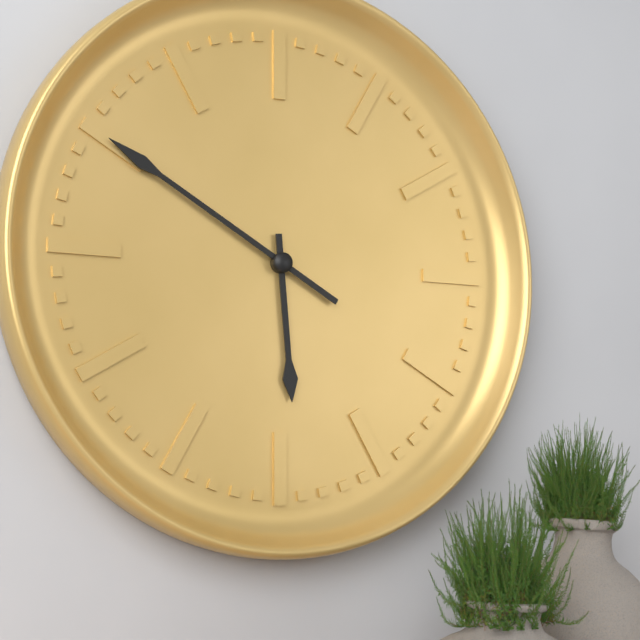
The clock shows 5h50
